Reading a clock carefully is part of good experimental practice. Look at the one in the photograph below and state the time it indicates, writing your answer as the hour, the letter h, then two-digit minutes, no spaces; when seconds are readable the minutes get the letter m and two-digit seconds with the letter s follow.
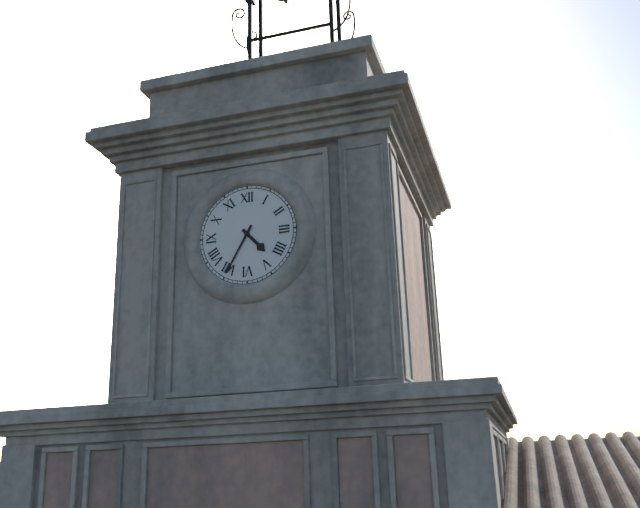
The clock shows 4h35
